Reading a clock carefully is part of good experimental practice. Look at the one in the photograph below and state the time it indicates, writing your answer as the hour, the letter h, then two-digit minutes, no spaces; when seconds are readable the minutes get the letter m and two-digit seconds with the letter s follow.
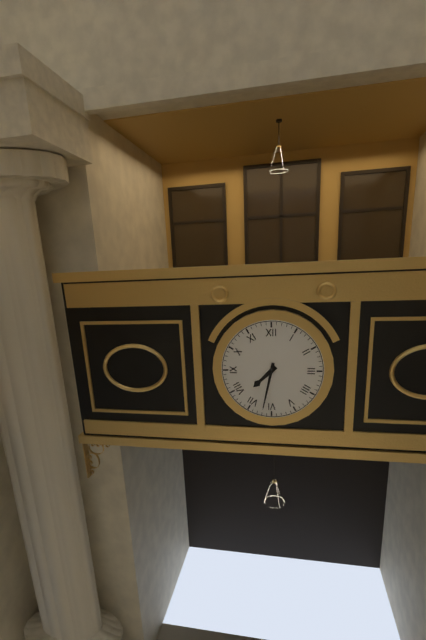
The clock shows 7h32
